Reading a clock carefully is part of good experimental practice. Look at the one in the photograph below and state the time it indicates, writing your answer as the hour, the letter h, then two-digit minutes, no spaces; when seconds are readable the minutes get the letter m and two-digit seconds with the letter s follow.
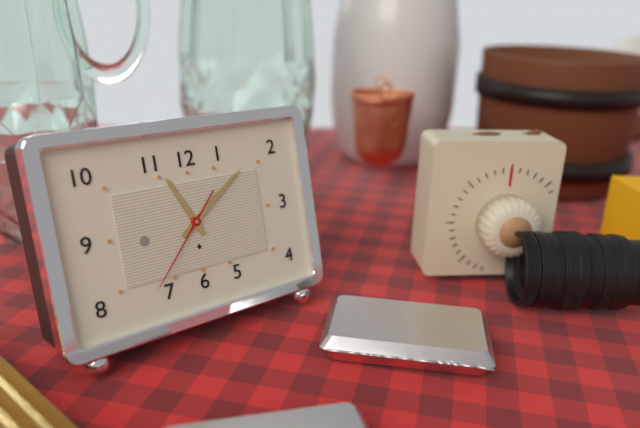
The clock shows 11h09m37s
